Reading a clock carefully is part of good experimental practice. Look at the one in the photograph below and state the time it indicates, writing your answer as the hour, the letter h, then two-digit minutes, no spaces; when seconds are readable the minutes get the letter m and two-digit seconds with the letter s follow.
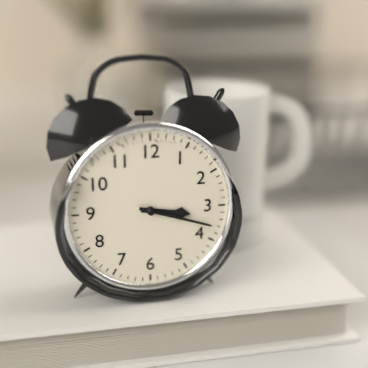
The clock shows 3h18
